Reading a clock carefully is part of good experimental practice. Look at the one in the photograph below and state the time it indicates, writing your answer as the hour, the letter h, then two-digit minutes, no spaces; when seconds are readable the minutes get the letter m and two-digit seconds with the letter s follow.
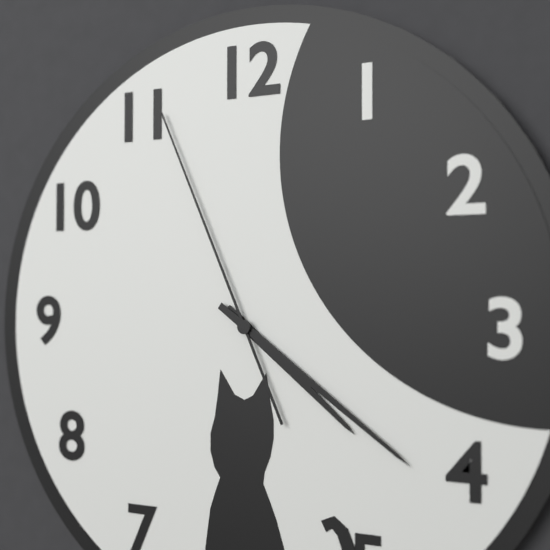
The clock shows 4h21m56s
